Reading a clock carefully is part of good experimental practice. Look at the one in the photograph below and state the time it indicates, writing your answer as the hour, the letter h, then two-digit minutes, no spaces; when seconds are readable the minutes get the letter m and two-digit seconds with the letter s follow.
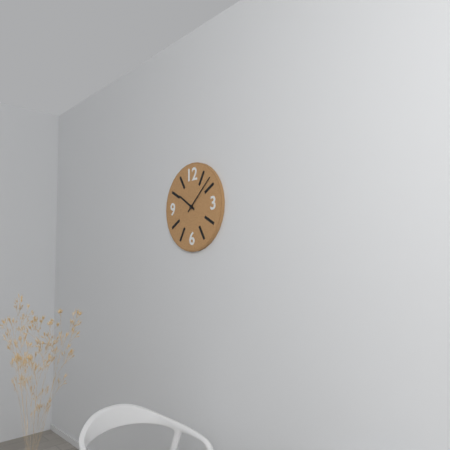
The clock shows 10h08
